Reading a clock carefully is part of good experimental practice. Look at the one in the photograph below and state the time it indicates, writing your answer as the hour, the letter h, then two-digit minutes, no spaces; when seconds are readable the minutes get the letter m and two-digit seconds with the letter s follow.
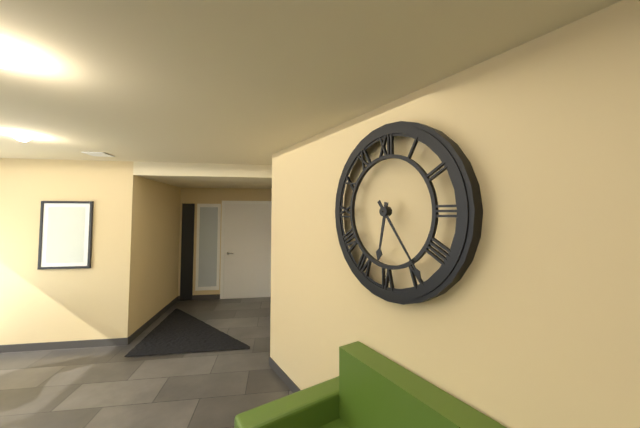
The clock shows 6h24
